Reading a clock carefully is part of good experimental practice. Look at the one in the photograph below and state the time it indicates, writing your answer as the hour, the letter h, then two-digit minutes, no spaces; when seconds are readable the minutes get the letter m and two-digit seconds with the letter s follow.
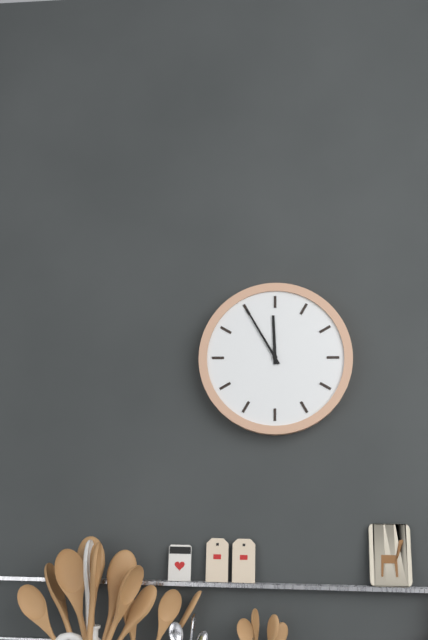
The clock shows 11h55
